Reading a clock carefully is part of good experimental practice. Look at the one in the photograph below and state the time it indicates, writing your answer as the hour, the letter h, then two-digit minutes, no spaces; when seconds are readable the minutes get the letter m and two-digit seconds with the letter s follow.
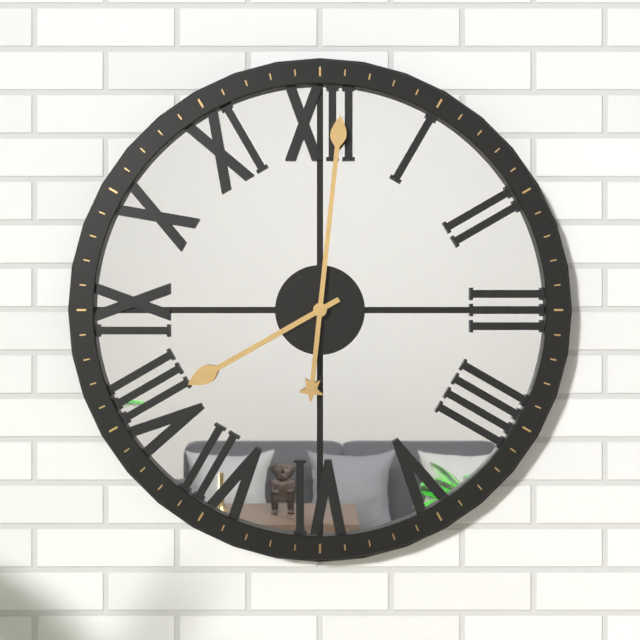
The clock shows 8h01
